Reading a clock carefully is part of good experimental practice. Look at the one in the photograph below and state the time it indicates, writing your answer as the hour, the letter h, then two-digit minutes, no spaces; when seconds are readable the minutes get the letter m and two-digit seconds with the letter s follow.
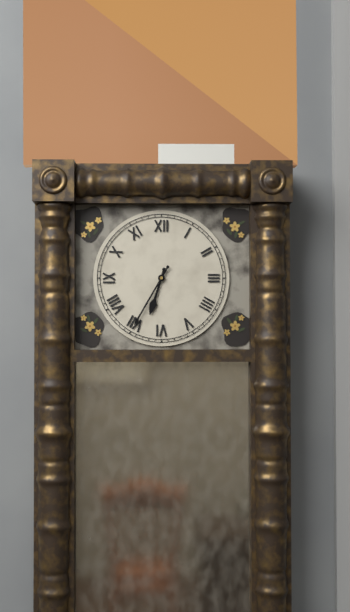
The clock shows 6h35
